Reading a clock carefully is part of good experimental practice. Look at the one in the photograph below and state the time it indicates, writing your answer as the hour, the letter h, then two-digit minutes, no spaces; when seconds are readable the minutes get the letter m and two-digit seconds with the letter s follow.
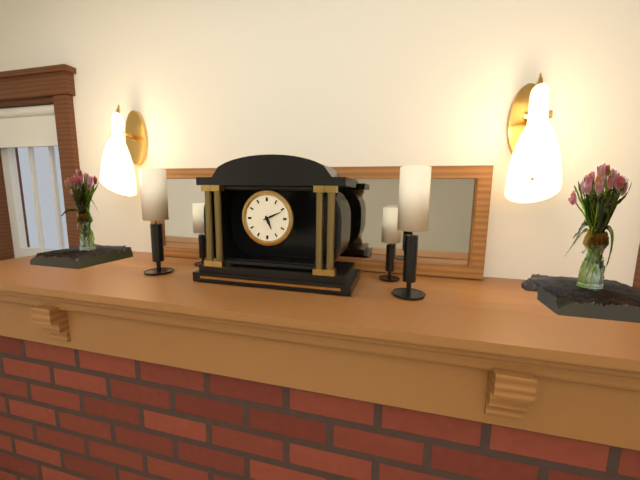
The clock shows 5h11
